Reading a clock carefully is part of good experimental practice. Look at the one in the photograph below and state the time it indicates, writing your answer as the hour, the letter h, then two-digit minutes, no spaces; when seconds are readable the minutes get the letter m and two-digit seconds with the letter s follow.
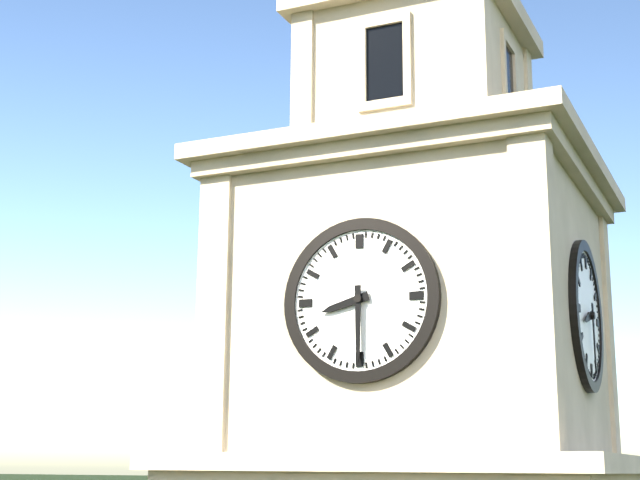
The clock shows 8h30
